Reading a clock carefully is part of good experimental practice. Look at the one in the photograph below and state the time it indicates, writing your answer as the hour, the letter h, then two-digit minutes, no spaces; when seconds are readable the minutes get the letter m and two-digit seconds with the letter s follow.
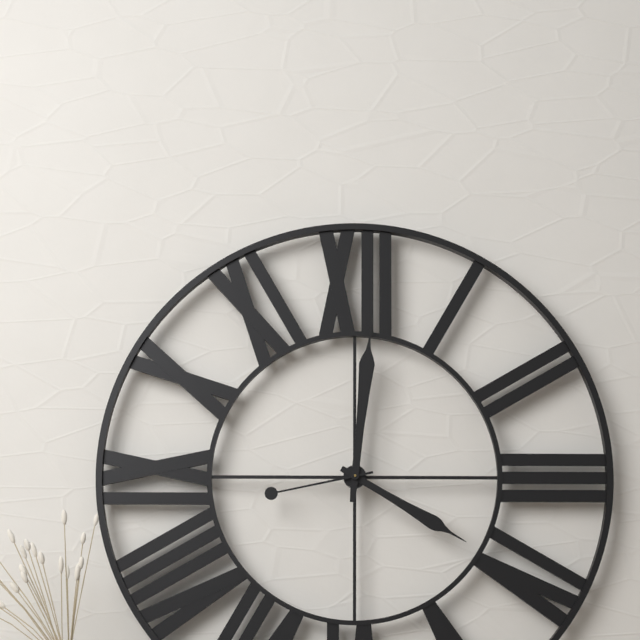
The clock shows 4h01m43s
